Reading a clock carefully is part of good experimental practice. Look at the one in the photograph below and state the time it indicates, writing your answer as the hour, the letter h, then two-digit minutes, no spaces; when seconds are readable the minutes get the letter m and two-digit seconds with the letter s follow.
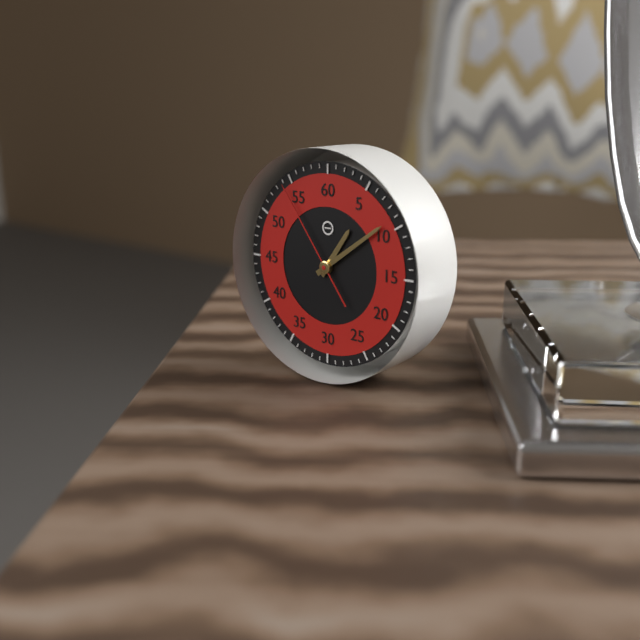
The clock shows 1h09m54s
